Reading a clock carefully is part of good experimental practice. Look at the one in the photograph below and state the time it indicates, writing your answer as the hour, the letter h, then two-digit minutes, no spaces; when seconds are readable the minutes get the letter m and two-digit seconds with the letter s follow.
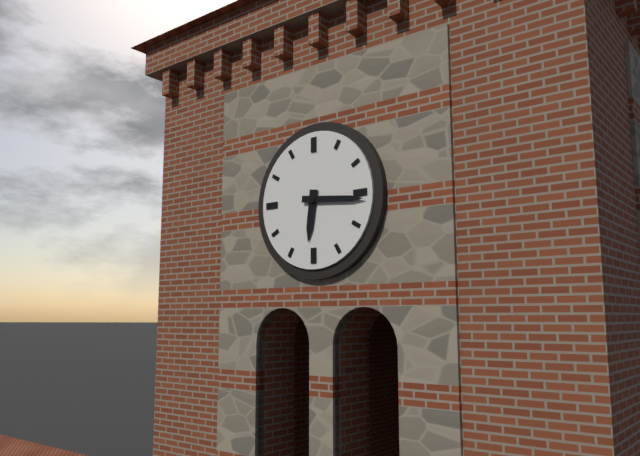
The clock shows 6h16
